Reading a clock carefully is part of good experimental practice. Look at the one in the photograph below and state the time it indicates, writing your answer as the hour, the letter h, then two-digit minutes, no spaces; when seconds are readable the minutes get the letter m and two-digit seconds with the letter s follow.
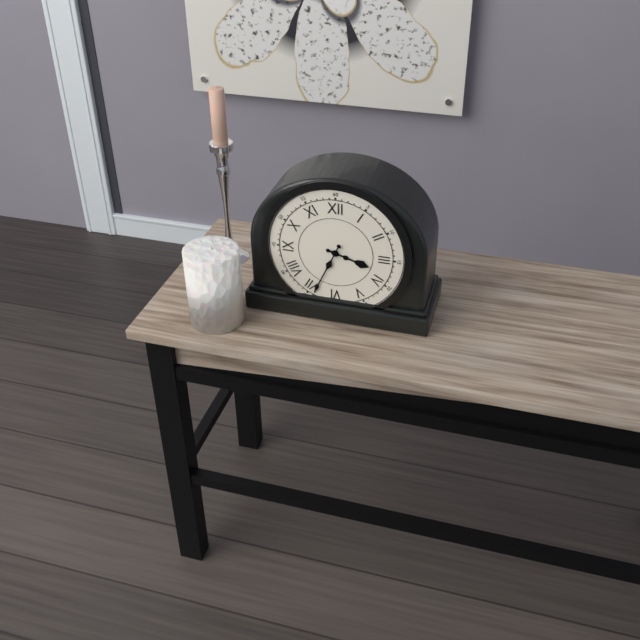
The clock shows 3h34
